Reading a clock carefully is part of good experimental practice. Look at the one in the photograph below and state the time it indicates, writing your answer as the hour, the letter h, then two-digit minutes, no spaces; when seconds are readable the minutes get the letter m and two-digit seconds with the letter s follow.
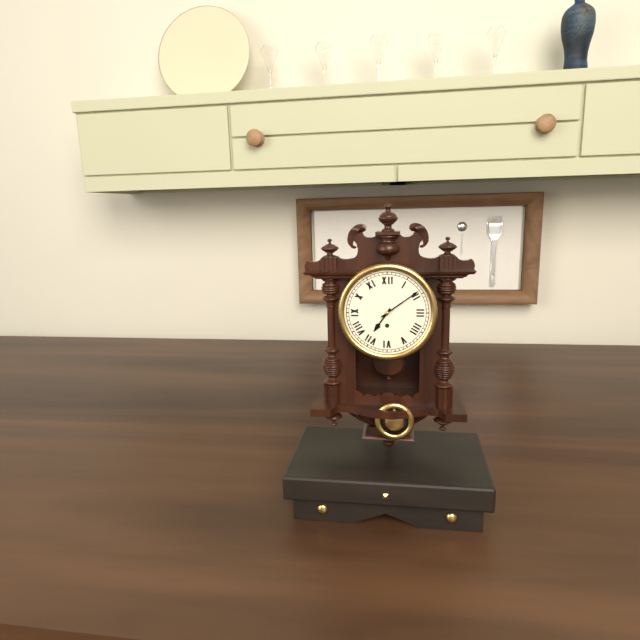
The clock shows 7h09
